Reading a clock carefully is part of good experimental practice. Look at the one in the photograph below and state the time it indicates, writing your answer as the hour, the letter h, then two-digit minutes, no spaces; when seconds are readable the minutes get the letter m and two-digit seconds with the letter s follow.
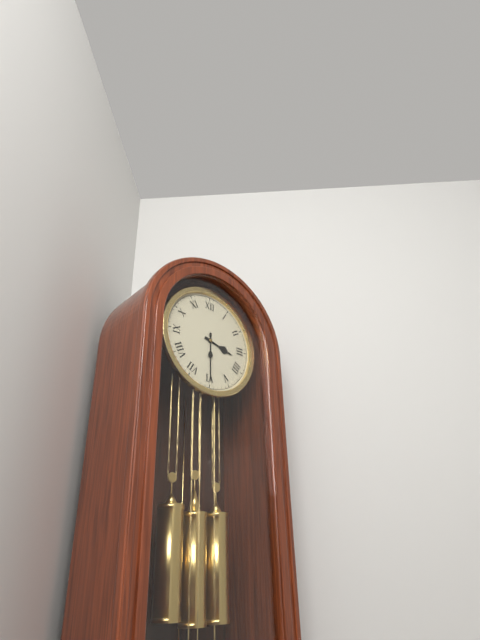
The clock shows 3h30
